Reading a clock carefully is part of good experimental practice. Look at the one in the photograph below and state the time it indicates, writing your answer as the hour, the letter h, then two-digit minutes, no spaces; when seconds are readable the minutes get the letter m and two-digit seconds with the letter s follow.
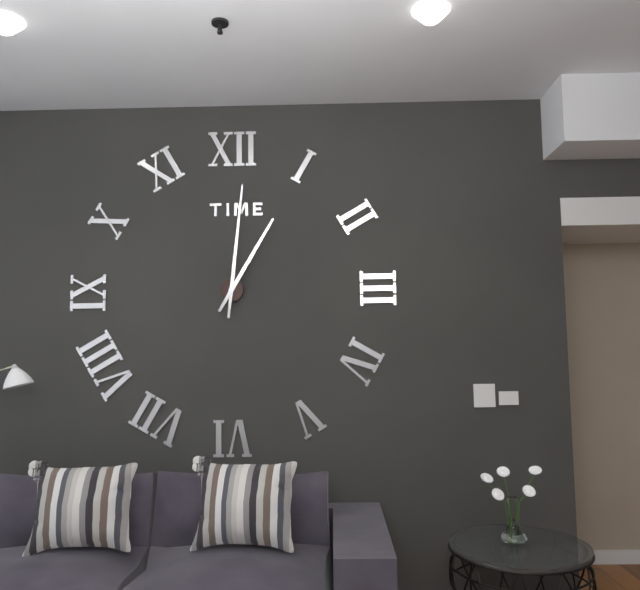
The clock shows 1h01
